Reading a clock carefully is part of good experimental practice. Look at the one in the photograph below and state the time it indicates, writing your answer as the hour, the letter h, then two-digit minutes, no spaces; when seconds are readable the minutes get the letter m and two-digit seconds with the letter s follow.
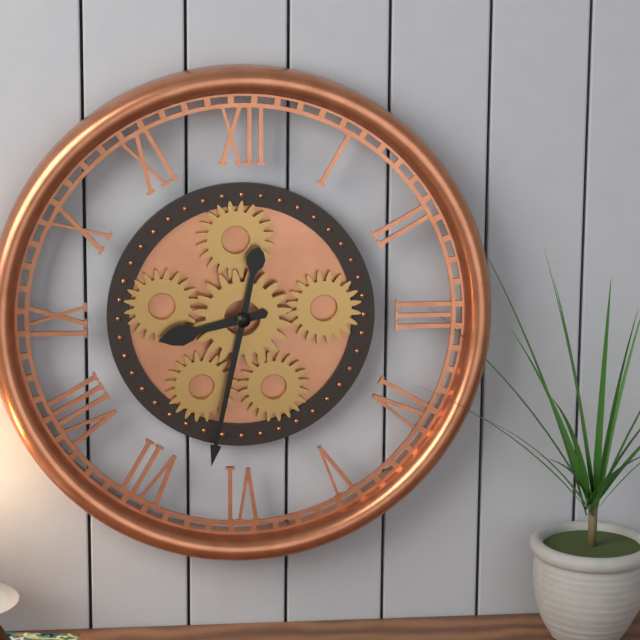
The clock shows 8h32
